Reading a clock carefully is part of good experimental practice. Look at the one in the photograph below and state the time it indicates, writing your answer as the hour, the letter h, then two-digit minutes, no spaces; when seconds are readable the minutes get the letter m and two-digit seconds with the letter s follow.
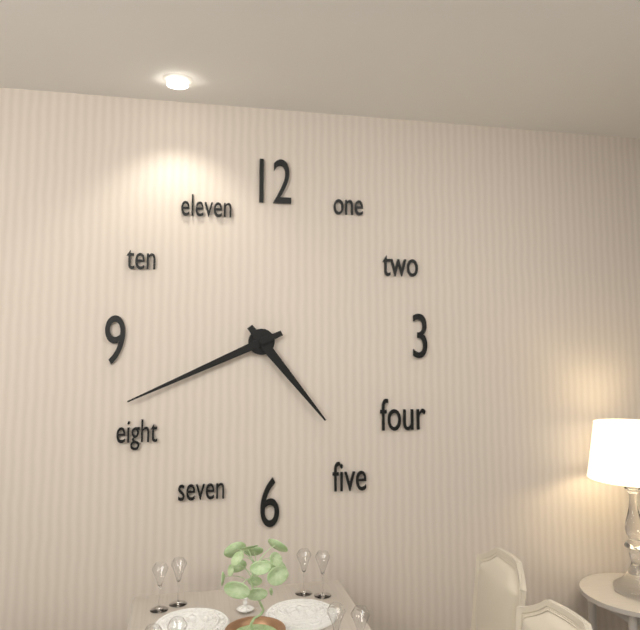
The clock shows 4h41
